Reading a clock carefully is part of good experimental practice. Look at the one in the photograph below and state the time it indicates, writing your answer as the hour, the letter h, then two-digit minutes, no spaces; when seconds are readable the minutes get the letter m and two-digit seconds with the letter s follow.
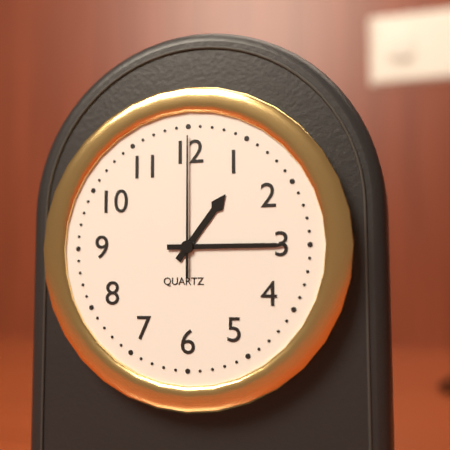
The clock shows 1h15m00s
